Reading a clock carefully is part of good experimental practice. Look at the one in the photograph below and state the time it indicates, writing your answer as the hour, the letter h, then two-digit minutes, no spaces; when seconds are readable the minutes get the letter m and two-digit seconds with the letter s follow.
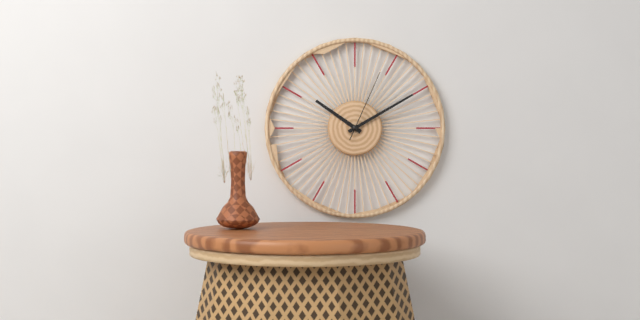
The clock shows 10h10m04s
